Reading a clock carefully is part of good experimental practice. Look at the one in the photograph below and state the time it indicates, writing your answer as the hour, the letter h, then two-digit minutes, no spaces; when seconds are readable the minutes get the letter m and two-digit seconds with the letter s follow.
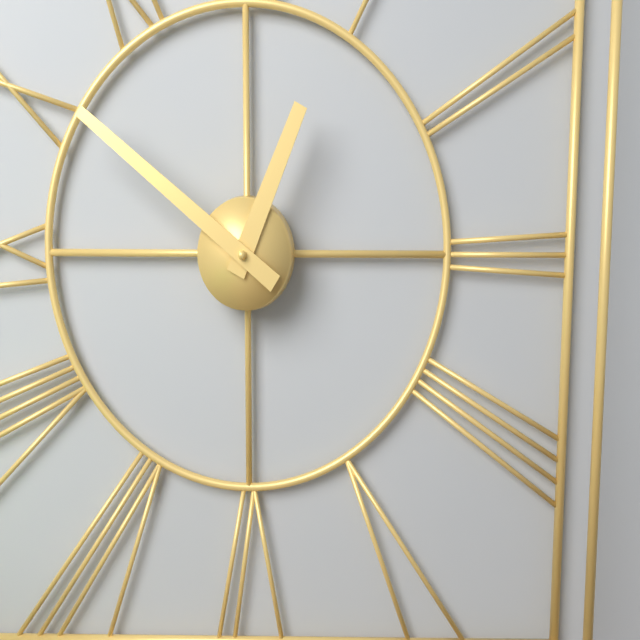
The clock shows 12h51
